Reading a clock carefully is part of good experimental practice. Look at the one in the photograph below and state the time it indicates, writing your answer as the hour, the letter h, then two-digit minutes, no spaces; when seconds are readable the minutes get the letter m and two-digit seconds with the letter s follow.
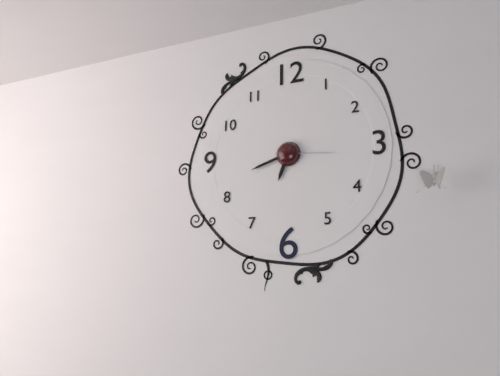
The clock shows 6h42m16s
